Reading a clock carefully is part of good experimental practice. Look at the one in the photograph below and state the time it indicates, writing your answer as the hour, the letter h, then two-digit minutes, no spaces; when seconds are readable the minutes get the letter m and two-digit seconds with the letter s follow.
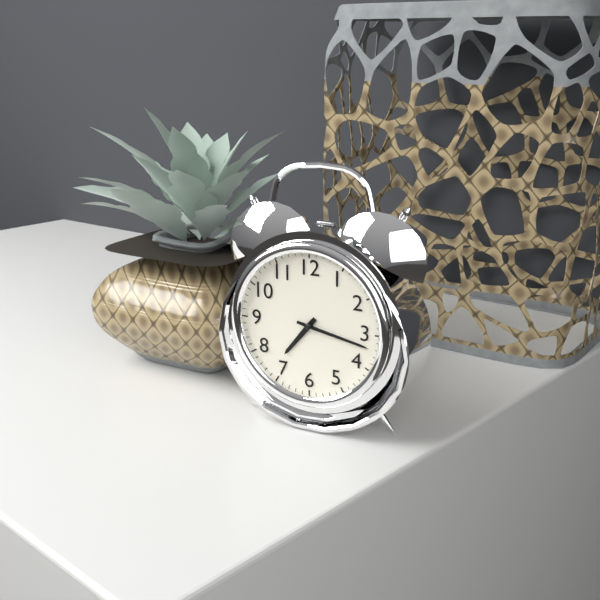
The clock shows 7h17
